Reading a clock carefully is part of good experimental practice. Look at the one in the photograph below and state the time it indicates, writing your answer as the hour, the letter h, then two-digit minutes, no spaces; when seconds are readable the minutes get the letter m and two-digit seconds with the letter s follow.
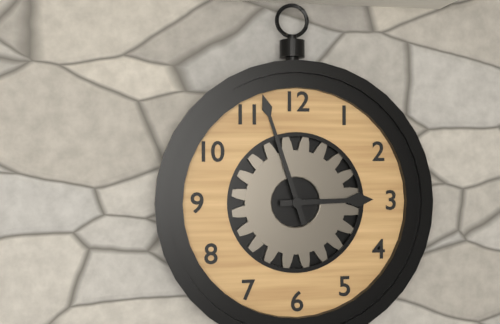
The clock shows 2h57
